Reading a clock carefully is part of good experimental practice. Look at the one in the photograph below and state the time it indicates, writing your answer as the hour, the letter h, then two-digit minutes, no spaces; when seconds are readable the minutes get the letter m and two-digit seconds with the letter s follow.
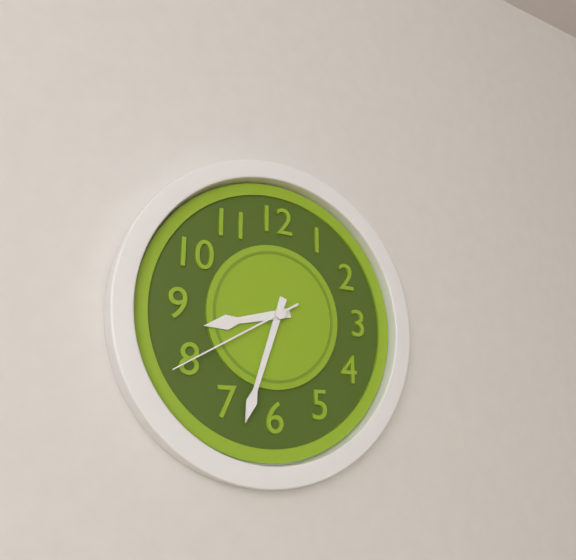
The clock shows 8h33m40s
